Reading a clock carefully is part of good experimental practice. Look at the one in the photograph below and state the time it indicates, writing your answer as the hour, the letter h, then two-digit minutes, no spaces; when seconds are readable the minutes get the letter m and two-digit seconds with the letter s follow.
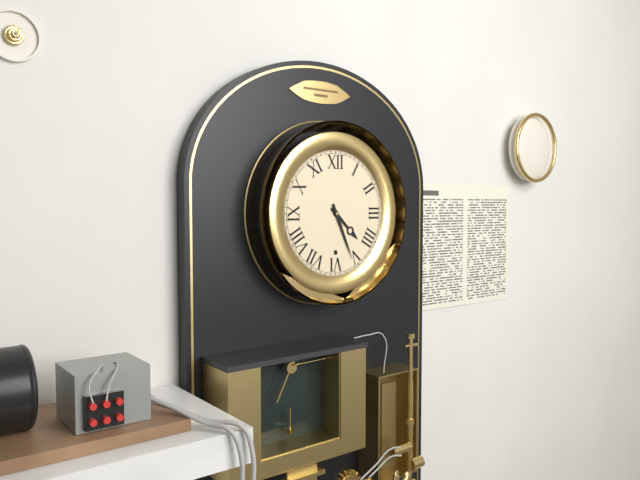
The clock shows 4h26
